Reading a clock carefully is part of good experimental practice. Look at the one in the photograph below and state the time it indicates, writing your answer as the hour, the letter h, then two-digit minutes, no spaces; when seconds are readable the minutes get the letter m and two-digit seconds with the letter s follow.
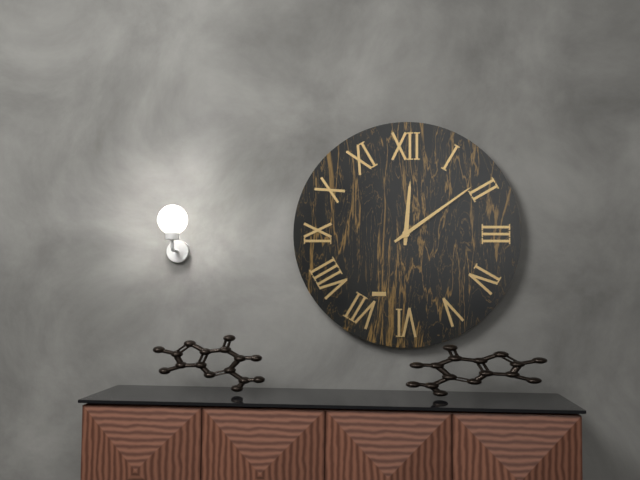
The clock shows 12h09
